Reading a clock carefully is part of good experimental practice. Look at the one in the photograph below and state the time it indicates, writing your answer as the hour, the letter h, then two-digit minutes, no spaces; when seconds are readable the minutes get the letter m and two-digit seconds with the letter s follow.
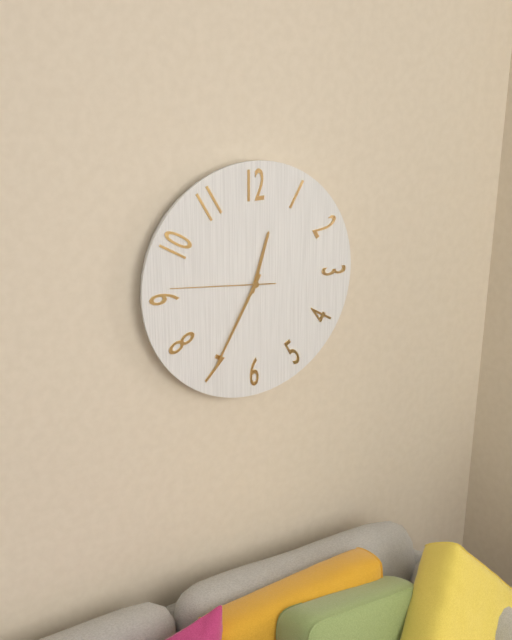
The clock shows 12h35m46s
